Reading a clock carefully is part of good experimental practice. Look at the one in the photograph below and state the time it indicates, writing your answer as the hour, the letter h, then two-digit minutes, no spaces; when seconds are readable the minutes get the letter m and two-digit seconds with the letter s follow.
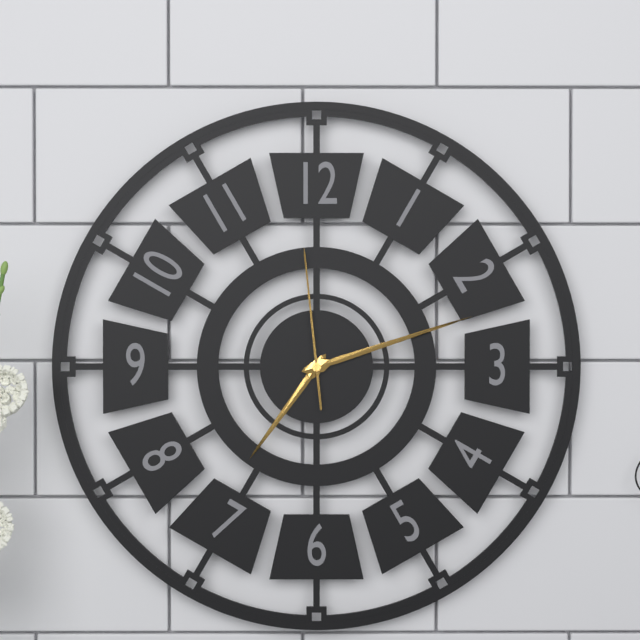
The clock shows 7h12m59s
